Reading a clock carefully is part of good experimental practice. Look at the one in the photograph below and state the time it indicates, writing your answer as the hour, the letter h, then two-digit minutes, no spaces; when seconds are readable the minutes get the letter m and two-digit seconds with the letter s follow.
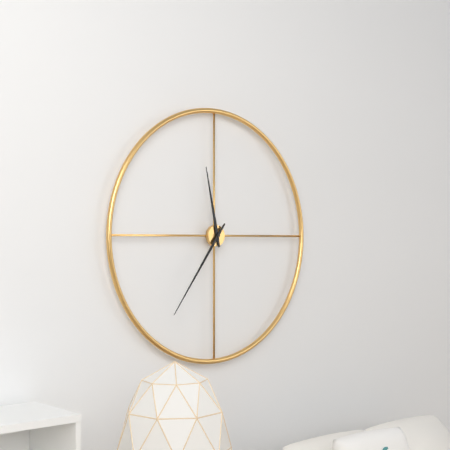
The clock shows 11h36
